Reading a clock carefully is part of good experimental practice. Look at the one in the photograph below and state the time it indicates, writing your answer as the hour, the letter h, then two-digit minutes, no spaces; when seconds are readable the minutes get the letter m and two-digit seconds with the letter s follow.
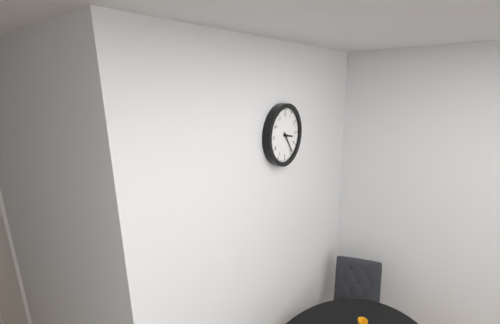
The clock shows 3h24
